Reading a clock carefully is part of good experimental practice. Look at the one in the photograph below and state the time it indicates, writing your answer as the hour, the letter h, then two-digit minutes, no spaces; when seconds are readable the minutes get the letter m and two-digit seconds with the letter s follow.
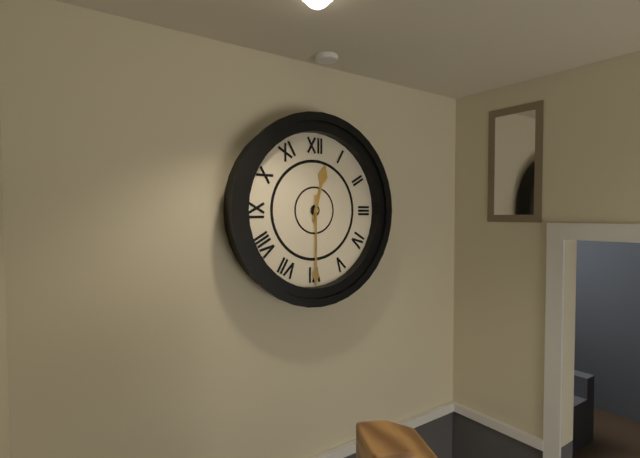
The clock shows 12h30
